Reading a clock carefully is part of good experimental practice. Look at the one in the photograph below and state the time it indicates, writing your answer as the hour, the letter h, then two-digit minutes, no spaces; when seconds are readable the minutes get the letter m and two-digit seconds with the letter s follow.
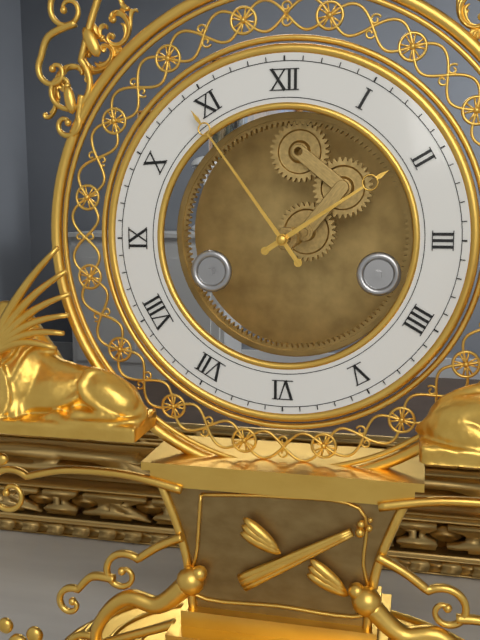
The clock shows 1h54
